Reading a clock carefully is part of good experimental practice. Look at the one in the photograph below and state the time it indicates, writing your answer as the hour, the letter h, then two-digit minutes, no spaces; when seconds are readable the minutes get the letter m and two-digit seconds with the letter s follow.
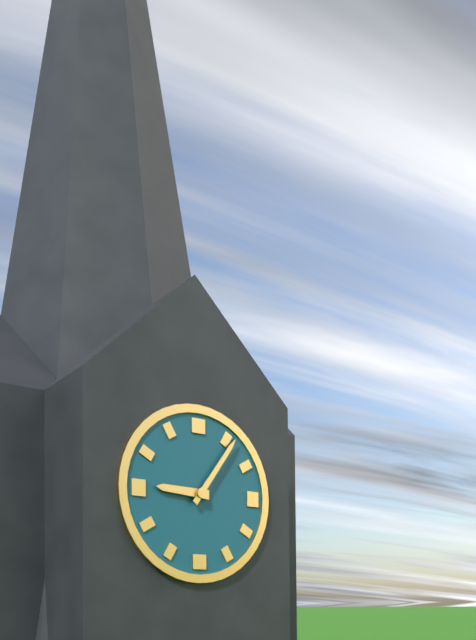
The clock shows 9h06
